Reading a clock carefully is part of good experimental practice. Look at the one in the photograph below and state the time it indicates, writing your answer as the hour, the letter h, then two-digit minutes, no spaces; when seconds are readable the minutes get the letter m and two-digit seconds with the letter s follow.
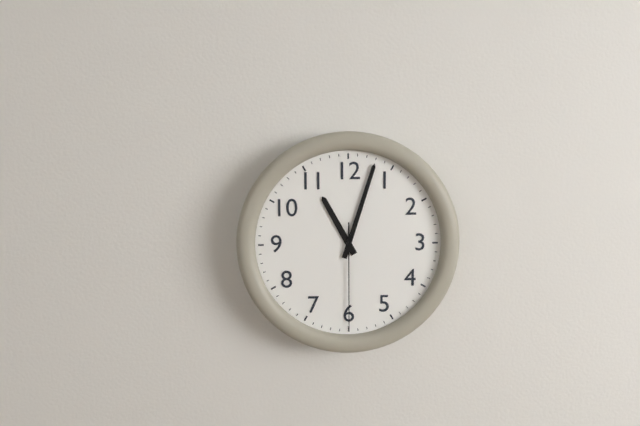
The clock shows 11h03m30s
